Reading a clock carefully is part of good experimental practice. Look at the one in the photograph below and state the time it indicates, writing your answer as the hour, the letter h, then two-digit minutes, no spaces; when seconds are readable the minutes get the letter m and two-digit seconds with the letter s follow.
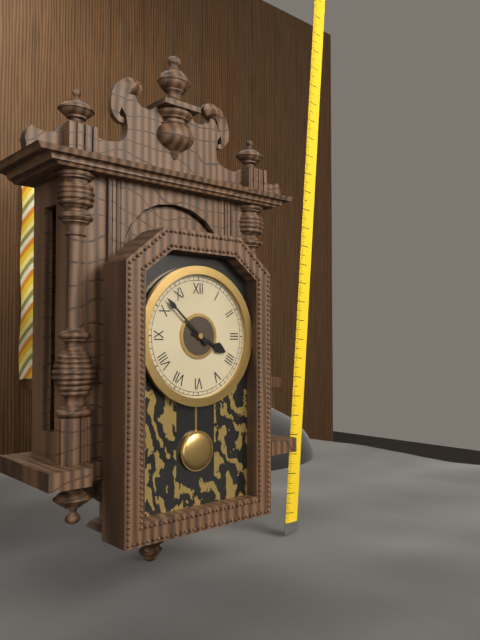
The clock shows 3h52
